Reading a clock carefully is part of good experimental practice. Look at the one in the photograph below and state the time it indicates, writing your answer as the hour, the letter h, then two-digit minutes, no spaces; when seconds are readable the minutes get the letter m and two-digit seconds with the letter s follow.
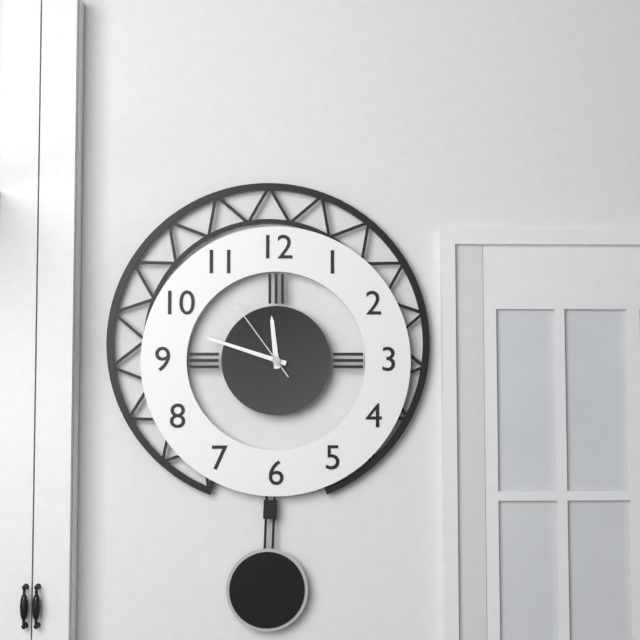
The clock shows 11h48m54s
